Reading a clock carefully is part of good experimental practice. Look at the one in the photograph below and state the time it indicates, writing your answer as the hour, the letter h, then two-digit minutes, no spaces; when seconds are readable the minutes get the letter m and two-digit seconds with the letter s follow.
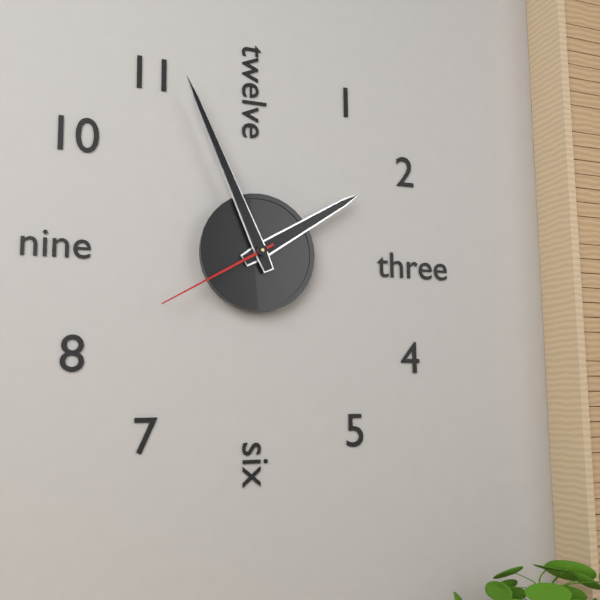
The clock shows 1h56m40s
